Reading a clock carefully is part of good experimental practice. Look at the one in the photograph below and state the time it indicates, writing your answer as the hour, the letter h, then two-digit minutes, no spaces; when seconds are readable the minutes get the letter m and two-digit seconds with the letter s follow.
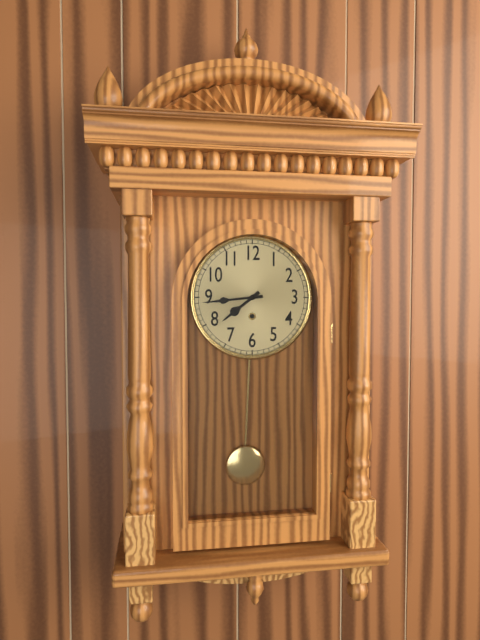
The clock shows 7h44
